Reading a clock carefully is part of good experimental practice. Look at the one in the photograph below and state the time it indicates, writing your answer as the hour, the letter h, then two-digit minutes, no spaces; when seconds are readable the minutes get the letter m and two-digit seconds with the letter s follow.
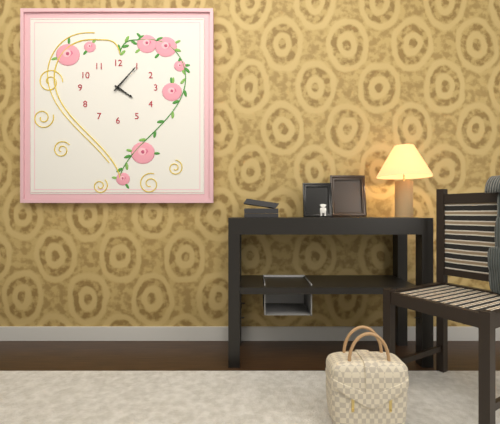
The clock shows 4h07
